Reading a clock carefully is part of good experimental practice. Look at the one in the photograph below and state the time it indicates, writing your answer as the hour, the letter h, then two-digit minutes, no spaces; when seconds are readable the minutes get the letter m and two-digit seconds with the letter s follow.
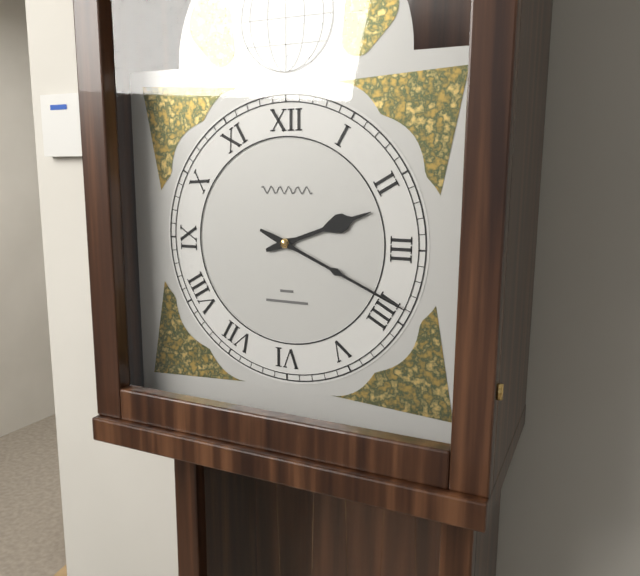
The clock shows 2h19
